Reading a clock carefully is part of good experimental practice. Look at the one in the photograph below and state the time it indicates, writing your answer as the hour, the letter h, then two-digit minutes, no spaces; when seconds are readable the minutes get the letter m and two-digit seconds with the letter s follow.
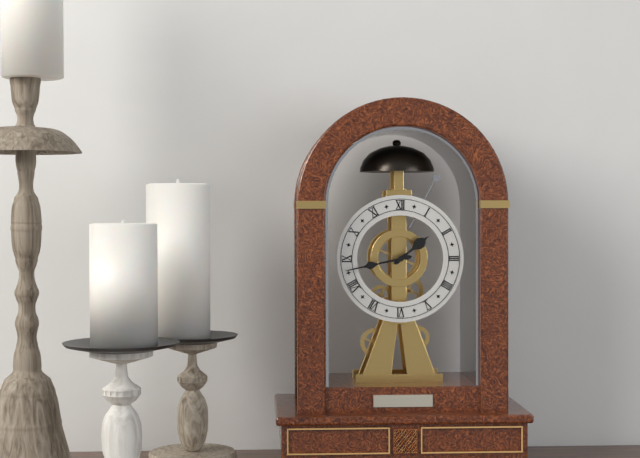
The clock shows 1h43
